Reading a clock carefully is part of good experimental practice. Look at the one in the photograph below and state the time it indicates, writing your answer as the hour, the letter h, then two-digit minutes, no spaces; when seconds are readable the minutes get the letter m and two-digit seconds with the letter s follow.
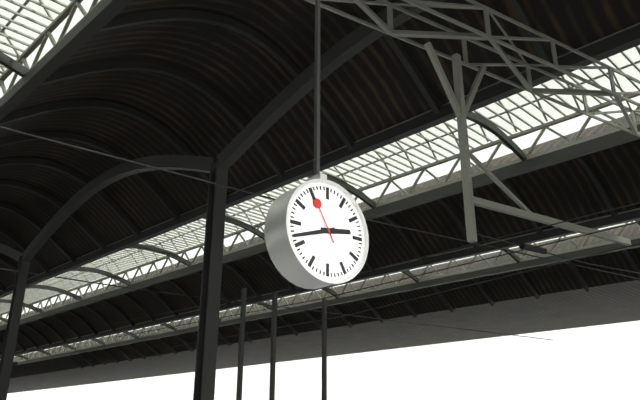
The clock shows 2h42
